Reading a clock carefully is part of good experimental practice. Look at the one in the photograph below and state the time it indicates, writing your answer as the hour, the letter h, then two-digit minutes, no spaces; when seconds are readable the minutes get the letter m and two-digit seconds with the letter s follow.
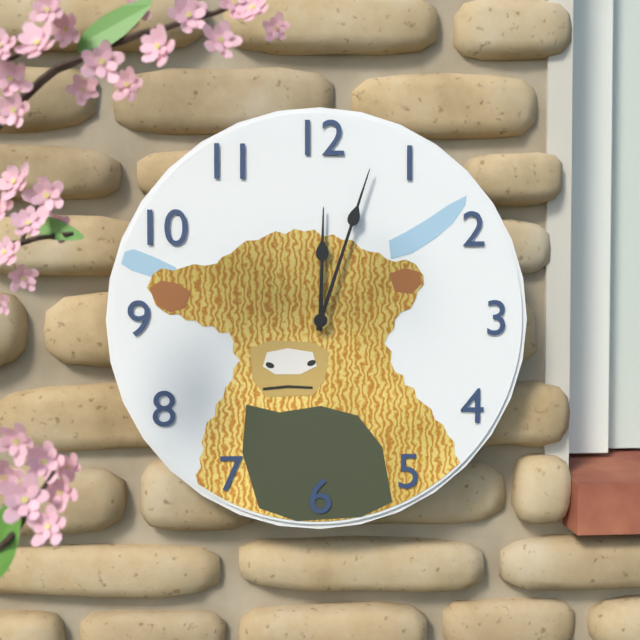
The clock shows 12h03
